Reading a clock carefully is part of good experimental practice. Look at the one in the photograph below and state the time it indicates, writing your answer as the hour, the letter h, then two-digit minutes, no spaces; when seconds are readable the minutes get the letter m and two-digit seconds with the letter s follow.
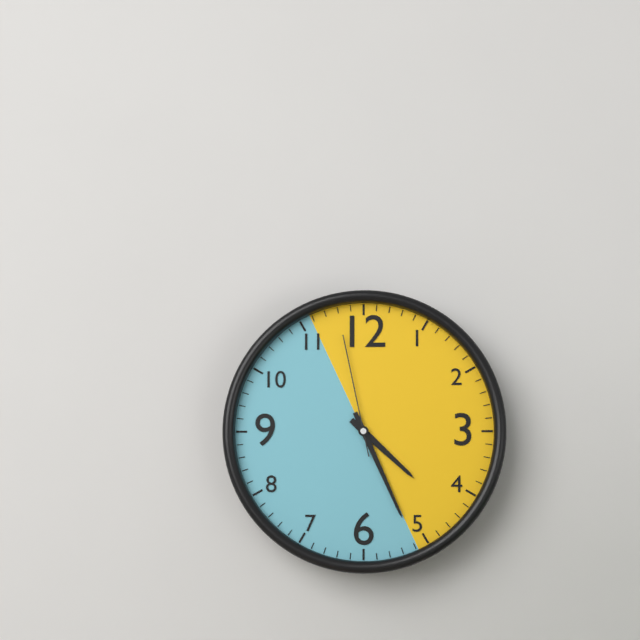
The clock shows 4h26m58s
